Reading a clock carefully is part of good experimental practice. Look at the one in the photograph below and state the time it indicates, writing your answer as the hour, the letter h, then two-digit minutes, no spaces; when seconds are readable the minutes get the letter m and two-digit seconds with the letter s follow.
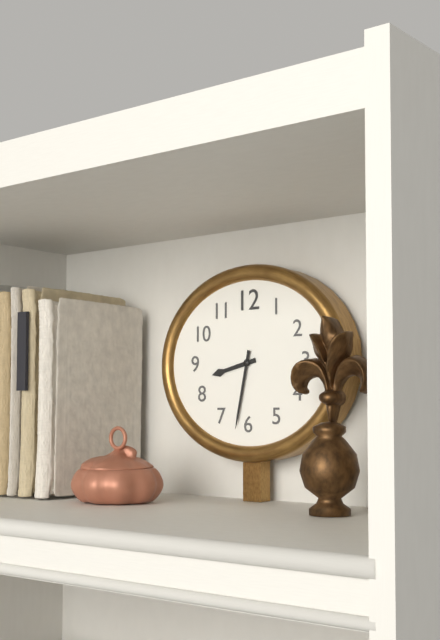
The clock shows 8h32
